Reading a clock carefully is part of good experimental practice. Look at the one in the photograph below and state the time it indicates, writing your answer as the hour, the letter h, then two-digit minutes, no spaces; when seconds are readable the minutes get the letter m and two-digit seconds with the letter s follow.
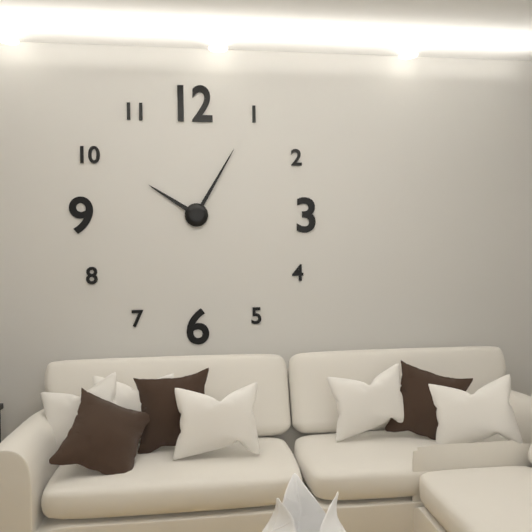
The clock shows 10h05
